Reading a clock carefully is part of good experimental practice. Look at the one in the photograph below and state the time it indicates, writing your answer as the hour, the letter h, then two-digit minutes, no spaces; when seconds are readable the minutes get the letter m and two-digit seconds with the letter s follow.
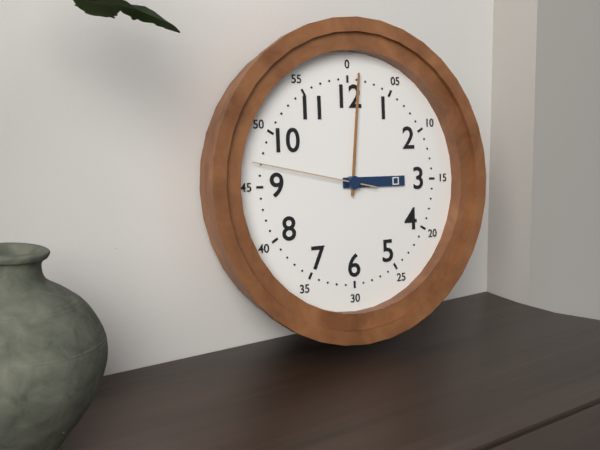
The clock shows 3h01m47s
